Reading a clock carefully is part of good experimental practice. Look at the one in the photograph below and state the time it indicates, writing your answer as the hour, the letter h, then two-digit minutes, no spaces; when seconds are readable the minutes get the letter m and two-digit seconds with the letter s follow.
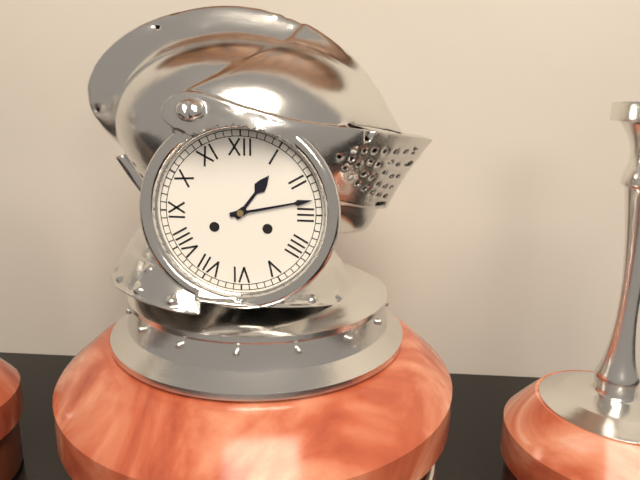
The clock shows 1h13
